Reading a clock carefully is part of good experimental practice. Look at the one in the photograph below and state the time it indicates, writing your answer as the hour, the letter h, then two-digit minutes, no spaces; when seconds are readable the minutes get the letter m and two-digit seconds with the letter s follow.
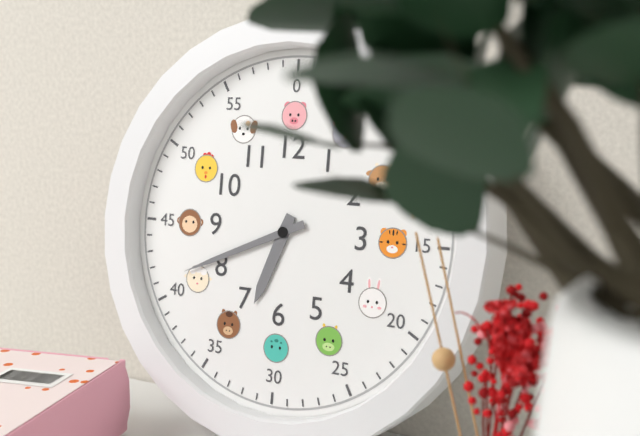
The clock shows 6h41
